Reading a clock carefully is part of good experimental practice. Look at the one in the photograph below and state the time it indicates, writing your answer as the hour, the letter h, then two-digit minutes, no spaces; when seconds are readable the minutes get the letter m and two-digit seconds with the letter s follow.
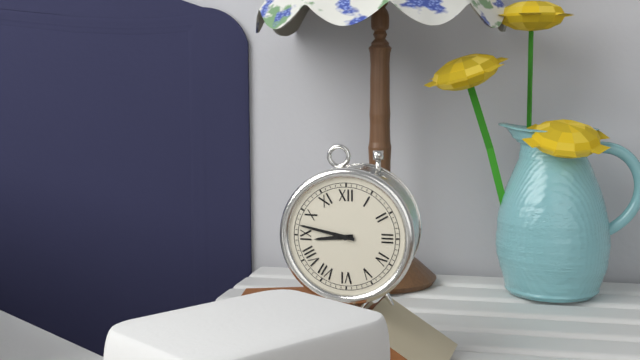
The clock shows 8h47
